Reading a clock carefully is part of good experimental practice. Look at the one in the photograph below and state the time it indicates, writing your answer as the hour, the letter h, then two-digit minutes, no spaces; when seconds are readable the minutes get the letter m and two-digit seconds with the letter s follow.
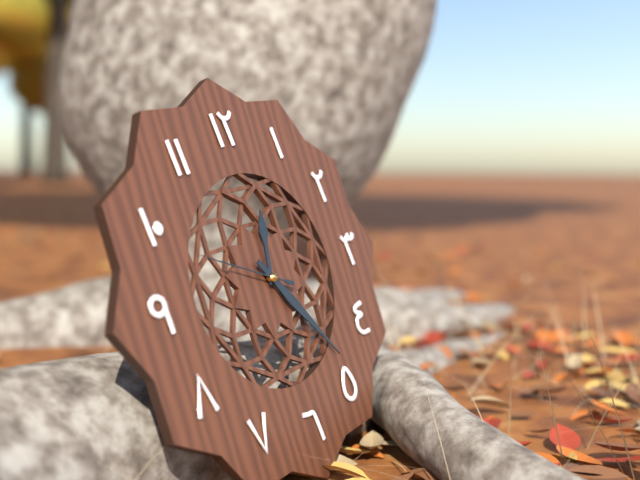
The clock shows 12h24m49s
